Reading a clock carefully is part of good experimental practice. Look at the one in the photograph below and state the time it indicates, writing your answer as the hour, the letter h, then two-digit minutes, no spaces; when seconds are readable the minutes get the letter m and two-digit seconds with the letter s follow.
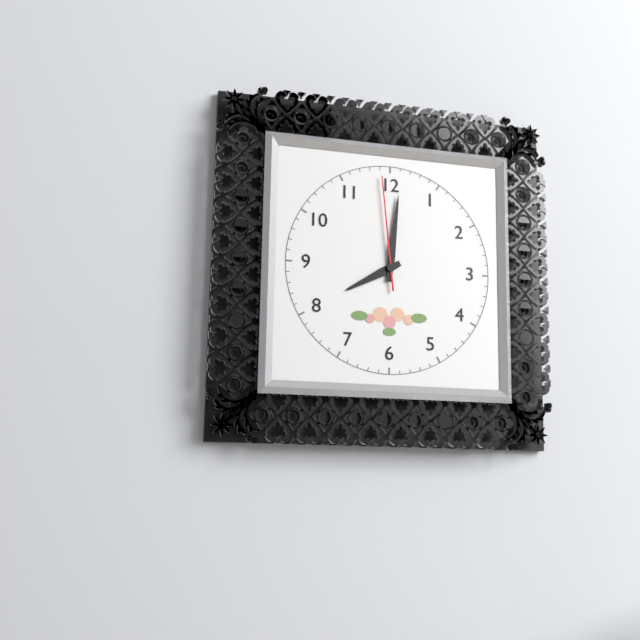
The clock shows 8h01m59s
